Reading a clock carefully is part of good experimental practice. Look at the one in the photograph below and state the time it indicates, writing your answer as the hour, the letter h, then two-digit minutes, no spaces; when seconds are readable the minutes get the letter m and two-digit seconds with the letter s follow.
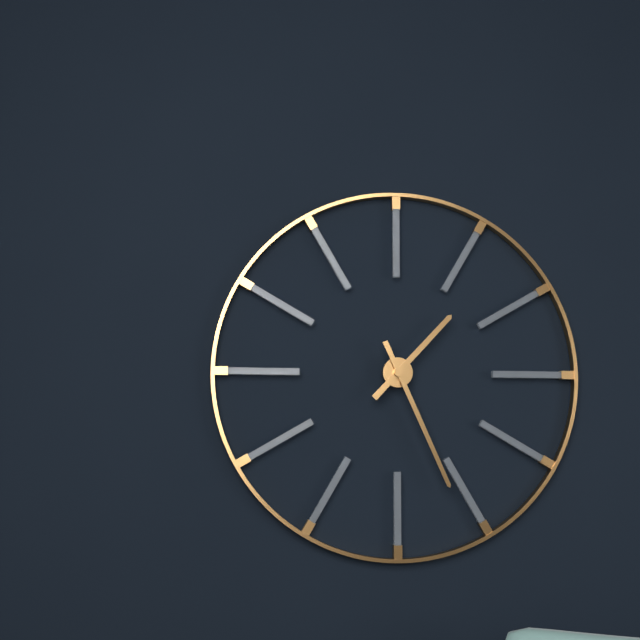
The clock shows 1h26
